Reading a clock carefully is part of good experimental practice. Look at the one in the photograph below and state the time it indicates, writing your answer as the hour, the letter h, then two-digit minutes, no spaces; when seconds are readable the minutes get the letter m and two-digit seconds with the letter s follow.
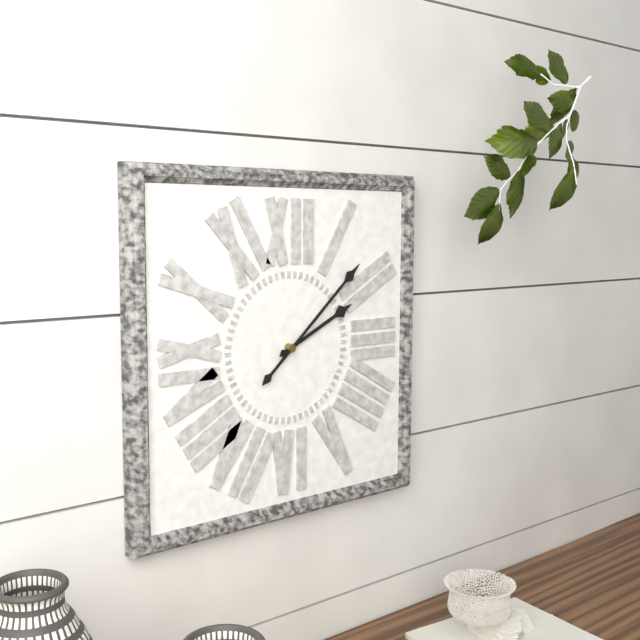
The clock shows 2h08
